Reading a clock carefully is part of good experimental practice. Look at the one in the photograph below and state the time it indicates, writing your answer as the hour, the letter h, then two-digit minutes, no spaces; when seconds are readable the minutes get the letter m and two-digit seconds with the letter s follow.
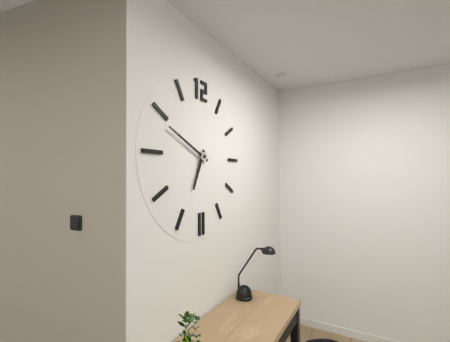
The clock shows 6h49
